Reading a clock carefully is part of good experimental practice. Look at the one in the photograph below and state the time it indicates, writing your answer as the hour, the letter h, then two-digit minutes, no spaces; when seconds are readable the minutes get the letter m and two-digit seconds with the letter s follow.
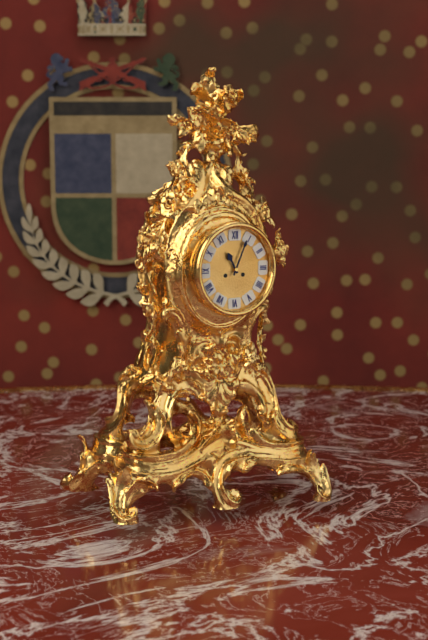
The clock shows 11h04
